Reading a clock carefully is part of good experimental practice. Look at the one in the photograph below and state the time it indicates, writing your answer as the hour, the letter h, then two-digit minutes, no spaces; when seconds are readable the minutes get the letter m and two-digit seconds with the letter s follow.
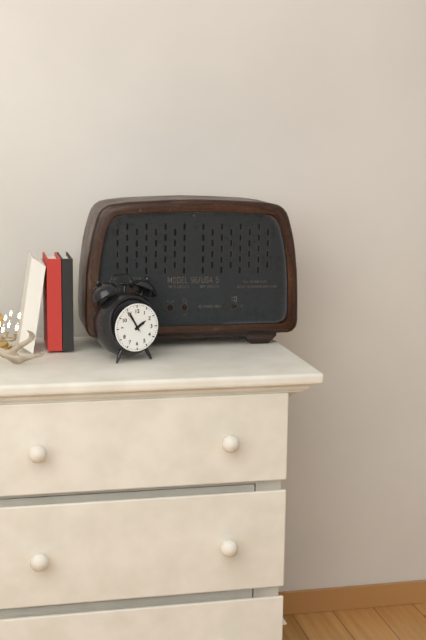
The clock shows 1h55
